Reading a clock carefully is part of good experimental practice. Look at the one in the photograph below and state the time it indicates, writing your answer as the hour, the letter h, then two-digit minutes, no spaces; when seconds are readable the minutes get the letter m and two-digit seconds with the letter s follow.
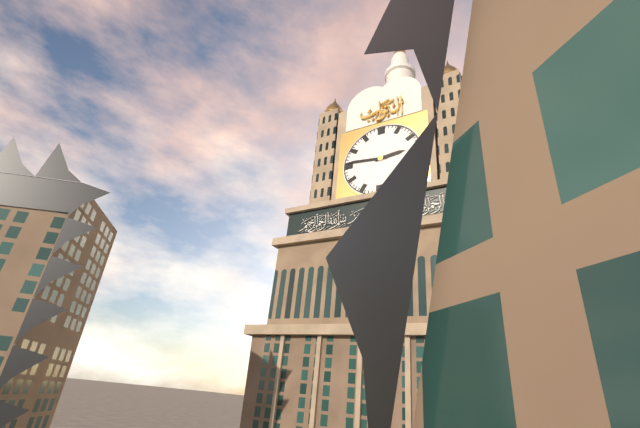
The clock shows 2h46
